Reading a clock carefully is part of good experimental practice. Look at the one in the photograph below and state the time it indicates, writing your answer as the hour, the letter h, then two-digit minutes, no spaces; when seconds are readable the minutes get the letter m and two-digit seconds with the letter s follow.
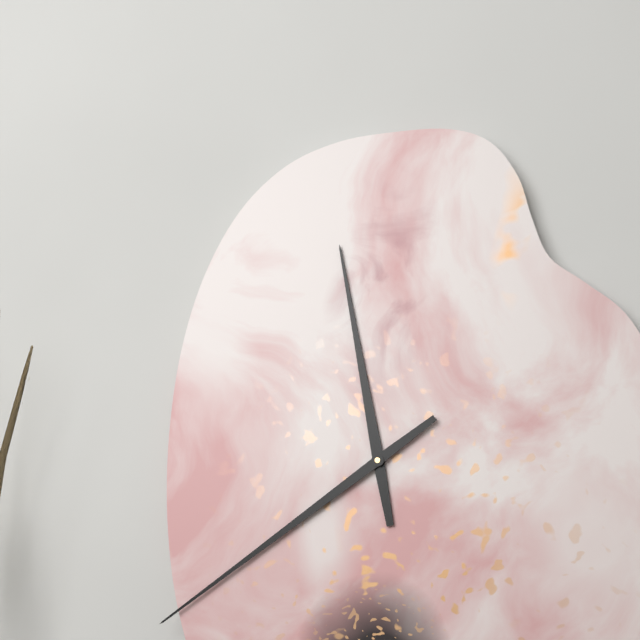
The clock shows 11h39
